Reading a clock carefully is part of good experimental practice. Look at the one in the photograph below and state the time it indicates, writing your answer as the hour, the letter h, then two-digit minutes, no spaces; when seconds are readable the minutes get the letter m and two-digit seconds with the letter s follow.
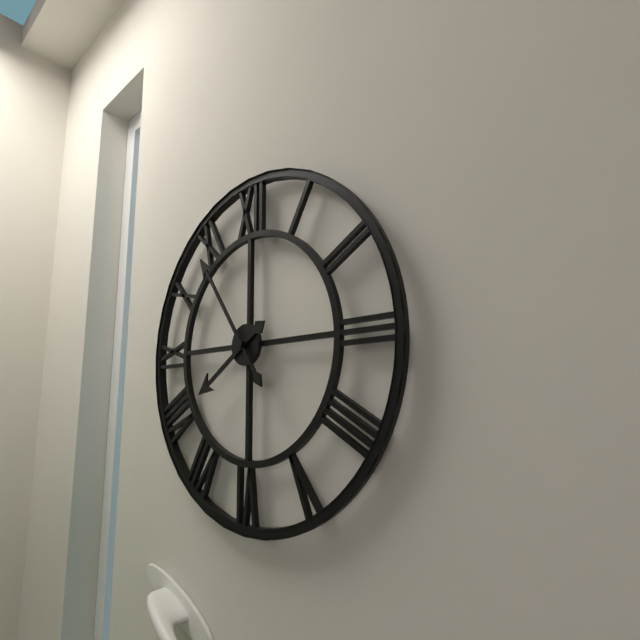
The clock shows 7h54
